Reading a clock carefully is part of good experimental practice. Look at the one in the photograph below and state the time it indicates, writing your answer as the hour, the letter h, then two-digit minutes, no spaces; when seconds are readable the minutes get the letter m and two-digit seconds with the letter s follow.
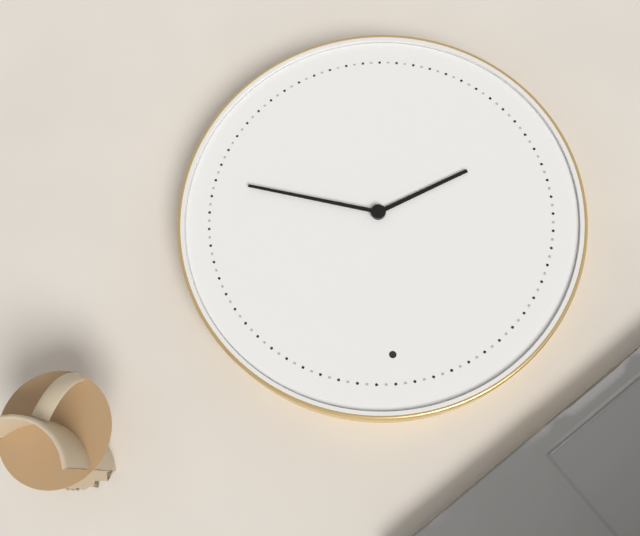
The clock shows 8h18
